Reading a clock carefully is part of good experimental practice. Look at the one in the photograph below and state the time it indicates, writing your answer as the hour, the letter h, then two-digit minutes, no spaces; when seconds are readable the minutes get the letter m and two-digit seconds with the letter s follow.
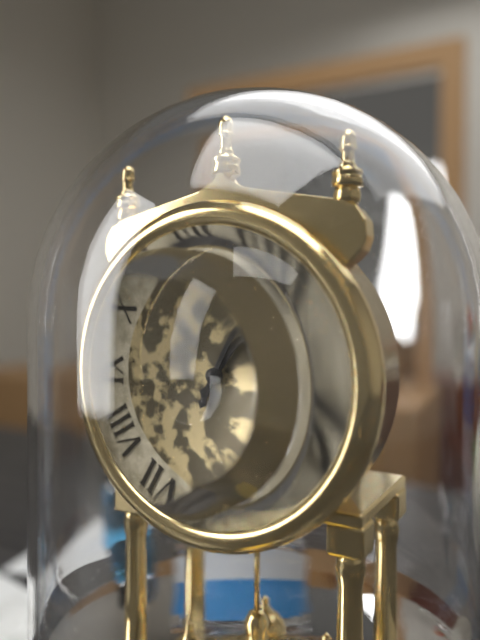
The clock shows 1h04
